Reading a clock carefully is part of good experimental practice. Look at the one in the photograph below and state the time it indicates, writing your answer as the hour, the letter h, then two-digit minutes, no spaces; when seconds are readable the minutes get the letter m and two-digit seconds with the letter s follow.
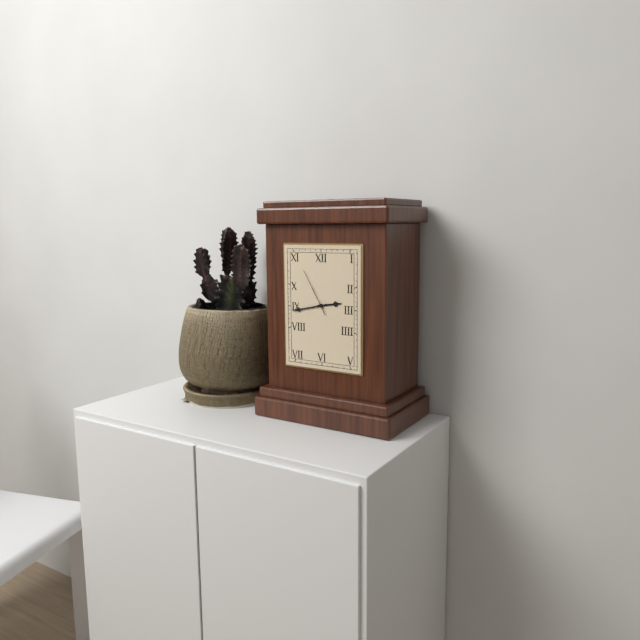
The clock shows 2h43m55s
